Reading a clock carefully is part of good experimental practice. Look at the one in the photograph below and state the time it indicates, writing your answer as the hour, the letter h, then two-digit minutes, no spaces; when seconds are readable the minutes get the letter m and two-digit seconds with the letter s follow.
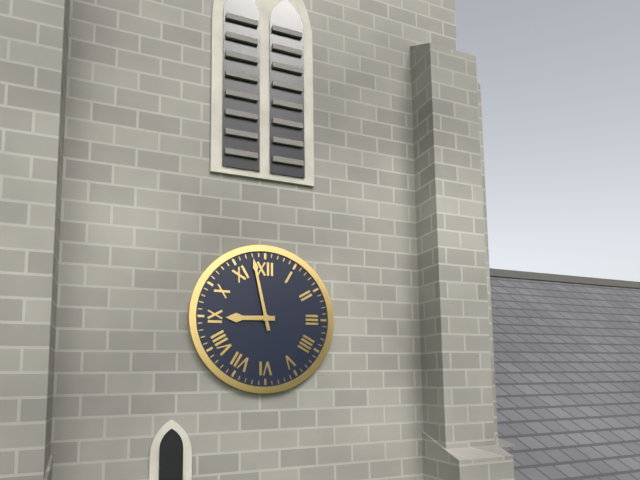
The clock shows 8h58
